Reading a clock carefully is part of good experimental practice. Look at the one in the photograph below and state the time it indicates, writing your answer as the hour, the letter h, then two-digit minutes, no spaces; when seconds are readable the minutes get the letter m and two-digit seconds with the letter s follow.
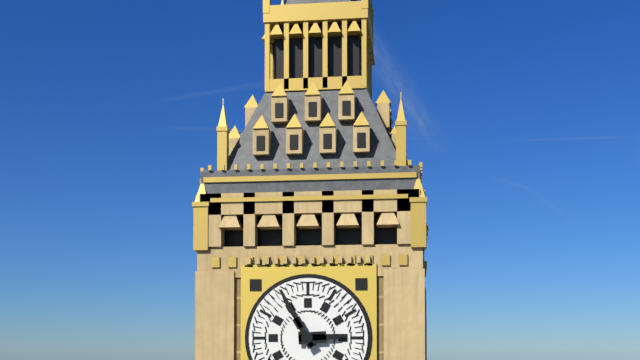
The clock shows 2h55
